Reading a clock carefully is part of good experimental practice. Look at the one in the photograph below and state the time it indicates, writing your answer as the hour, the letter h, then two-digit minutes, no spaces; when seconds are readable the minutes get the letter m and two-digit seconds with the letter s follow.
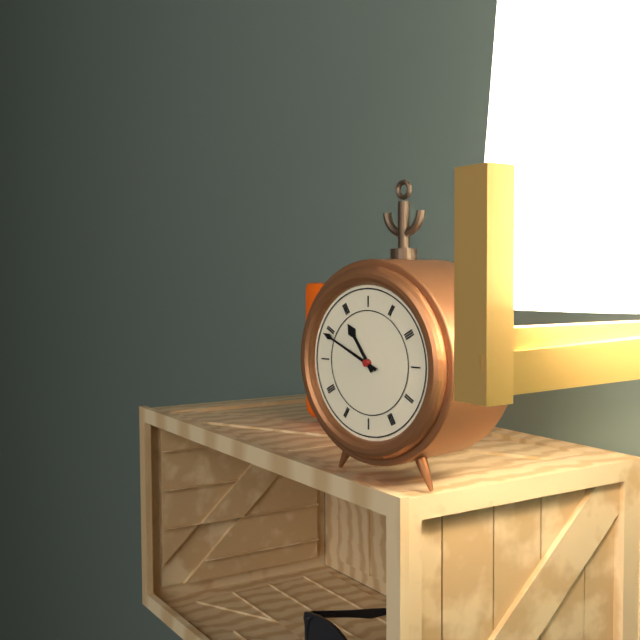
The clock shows 10h49
